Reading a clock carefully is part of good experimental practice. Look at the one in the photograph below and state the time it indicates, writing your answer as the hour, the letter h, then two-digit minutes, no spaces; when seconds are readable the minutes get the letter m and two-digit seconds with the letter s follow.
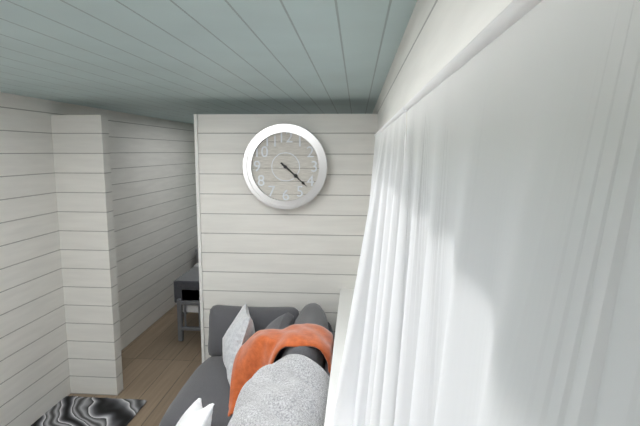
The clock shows 4h22
